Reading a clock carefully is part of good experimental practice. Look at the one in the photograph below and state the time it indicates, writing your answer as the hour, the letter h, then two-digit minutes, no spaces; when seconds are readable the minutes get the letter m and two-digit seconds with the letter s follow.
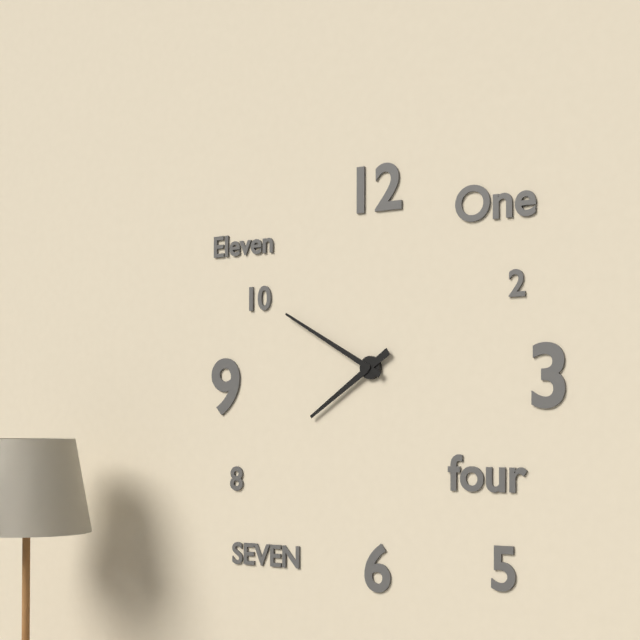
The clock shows 7h50
